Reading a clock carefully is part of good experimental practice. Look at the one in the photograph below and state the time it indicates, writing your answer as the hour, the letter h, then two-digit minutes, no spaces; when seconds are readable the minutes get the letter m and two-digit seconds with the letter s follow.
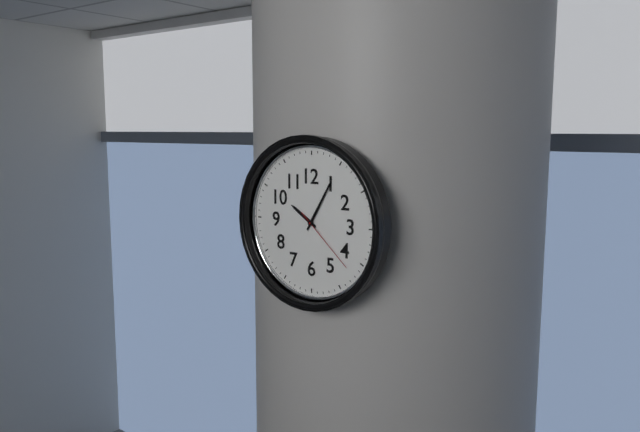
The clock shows 10h05m22s
